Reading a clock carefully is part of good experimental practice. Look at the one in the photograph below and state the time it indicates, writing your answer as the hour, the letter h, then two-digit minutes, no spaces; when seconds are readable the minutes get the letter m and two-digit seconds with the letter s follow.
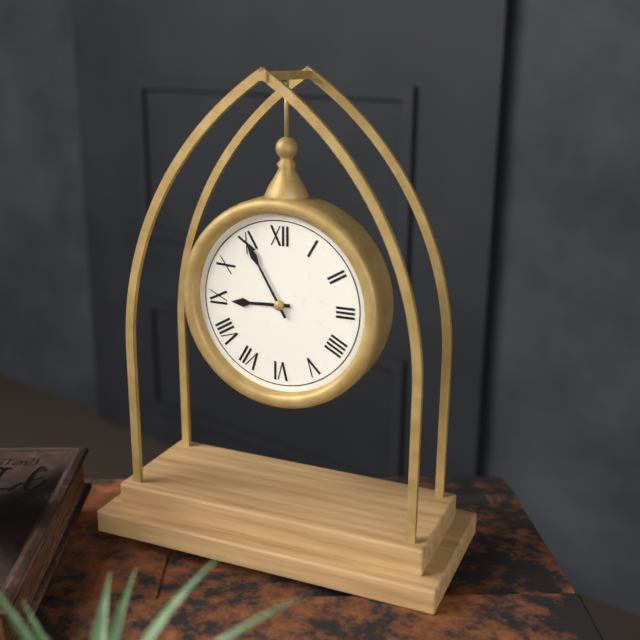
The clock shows 8h55
